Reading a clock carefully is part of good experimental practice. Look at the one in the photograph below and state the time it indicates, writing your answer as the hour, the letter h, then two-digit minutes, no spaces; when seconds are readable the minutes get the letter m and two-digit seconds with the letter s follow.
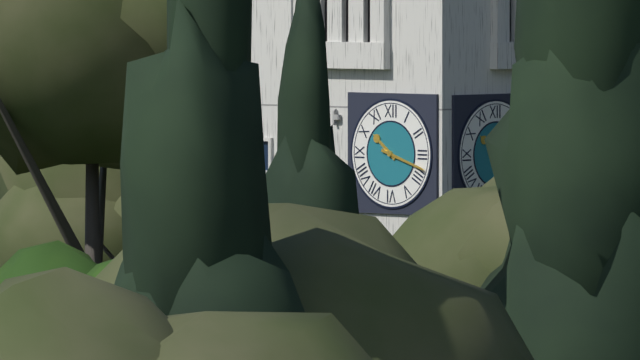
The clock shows 10h18
